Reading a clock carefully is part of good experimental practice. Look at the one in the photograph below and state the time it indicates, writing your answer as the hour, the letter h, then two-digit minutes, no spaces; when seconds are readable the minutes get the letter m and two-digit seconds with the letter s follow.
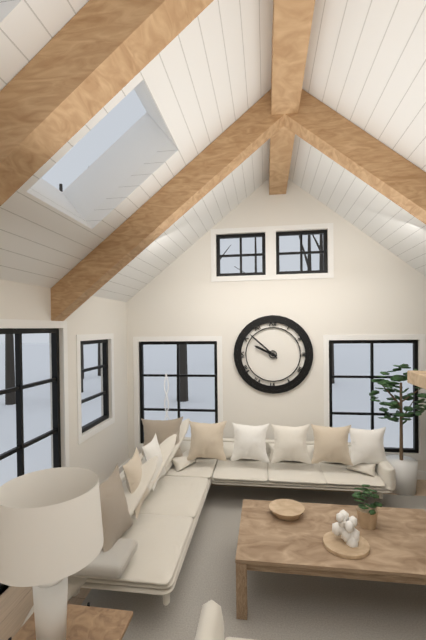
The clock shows 9h52
